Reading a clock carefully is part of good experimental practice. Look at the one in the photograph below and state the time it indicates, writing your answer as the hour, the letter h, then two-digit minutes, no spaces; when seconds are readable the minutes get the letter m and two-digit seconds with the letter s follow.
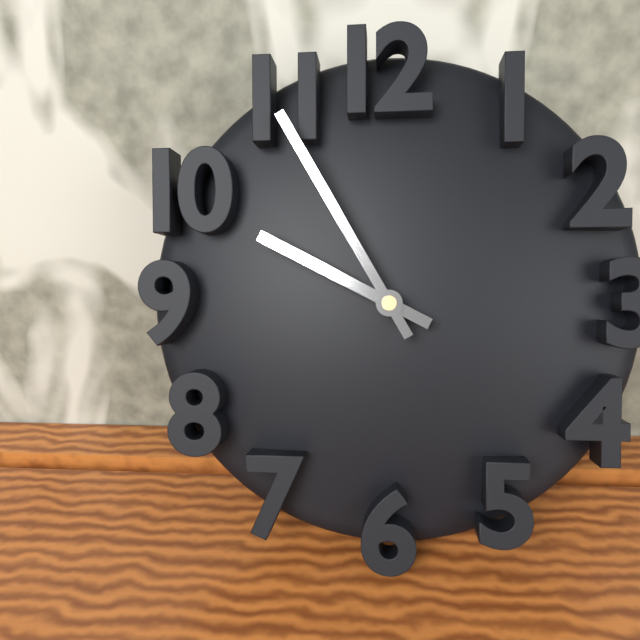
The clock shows 9h55
